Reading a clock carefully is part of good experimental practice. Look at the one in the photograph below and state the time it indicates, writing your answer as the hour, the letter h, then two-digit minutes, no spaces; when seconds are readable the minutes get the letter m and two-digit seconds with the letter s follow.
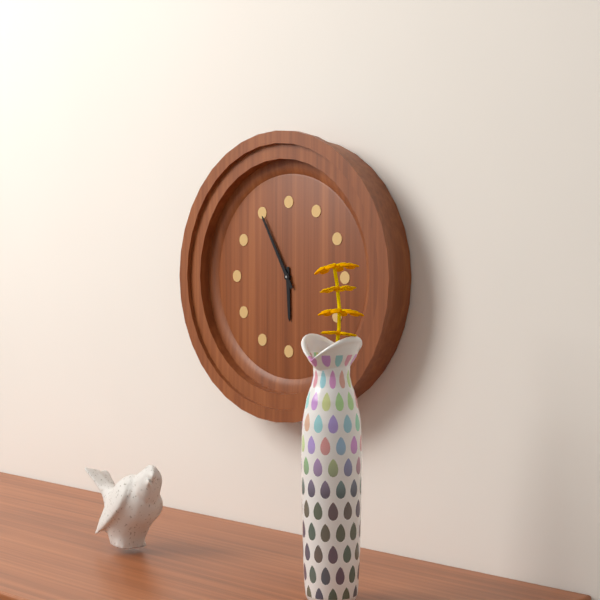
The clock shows 5h55
